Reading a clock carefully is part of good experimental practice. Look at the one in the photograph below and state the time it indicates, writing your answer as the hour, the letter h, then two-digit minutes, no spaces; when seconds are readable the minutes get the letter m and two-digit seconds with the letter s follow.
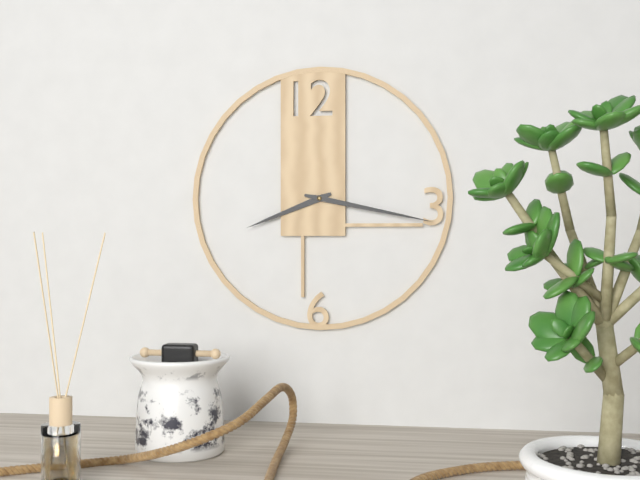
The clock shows 8h17
